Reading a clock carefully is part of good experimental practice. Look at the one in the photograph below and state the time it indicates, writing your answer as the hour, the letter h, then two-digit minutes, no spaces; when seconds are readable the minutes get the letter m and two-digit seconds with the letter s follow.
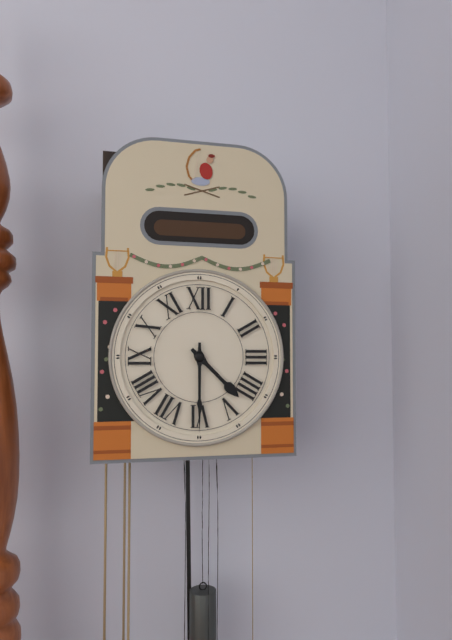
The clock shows 4h30
